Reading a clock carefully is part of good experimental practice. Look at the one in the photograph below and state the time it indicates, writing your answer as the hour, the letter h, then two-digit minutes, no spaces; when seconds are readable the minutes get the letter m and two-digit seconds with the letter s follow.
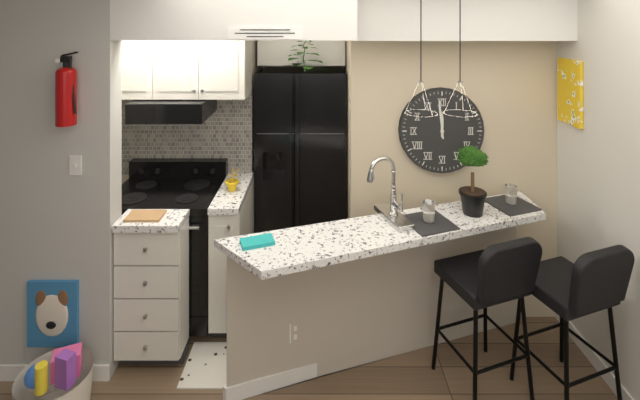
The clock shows 11h59
